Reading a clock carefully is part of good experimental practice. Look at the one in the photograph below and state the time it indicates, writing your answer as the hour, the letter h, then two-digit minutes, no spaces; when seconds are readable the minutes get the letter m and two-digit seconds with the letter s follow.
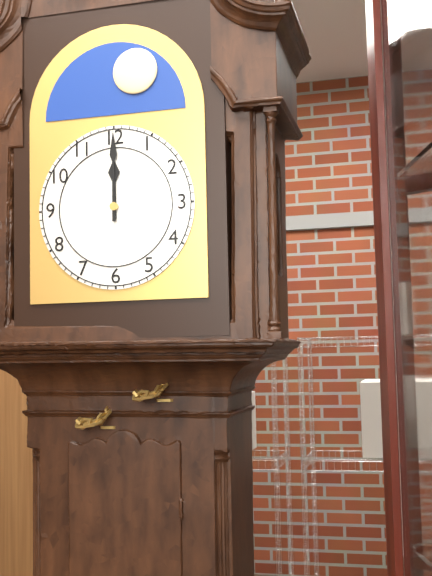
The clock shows 12h00
